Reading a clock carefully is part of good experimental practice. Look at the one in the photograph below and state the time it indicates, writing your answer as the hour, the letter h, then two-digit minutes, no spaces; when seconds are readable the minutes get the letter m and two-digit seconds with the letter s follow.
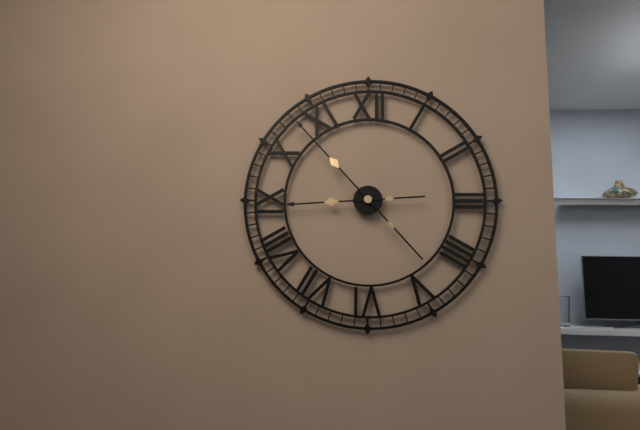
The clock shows 8h53
